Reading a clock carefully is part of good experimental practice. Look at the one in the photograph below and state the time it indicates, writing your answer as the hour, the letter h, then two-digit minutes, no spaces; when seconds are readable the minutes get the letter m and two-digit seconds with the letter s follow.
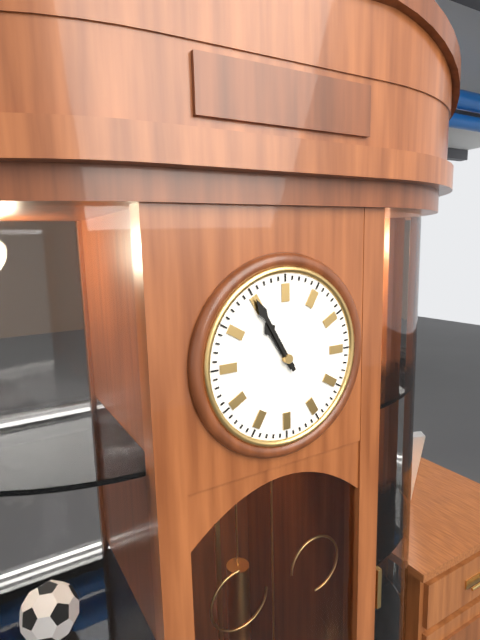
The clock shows 10h55
